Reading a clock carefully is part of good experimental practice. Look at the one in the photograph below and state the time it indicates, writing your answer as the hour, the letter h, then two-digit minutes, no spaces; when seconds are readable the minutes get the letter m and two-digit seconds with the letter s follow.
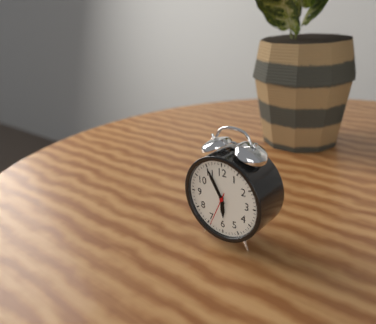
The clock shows 5h55m34s
